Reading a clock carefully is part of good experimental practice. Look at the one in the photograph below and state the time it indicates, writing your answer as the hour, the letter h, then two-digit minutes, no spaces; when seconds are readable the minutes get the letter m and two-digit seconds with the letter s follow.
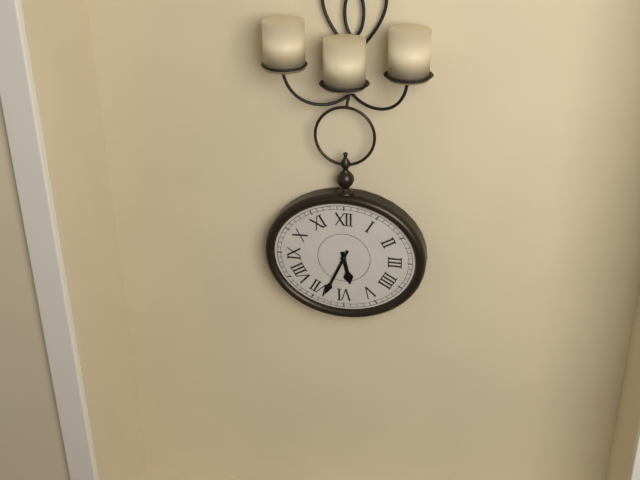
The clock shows 5h34
